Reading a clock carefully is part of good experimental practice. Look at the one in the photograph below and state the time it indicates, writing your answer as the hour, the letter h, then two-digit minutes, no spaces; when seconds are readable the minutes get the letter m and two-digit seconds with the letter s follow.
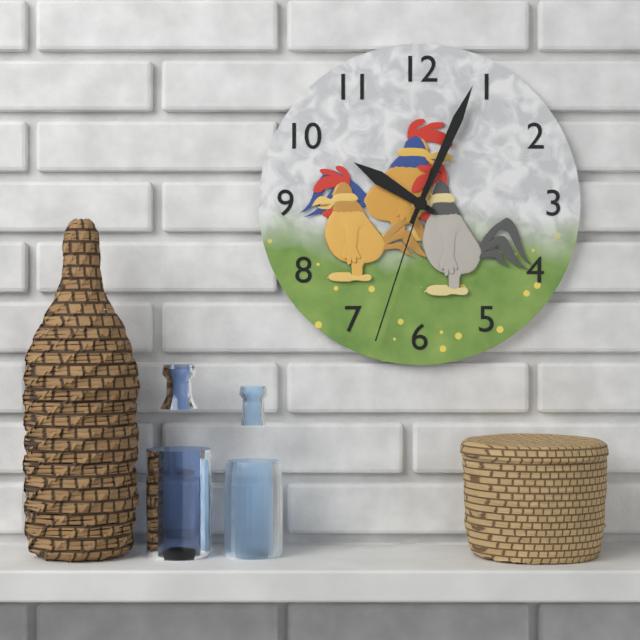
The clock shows 10h04m33s
